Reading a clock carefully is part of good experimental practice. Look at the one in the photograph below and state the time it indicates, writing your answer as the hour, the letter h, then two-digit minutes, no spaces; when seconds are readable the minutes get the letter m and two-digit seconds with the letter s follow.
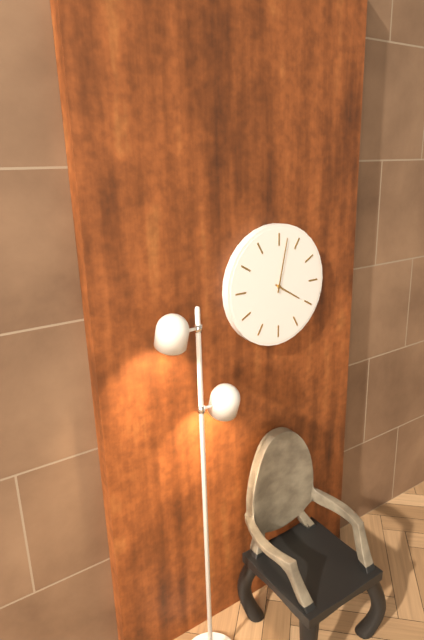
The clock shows 4h02
